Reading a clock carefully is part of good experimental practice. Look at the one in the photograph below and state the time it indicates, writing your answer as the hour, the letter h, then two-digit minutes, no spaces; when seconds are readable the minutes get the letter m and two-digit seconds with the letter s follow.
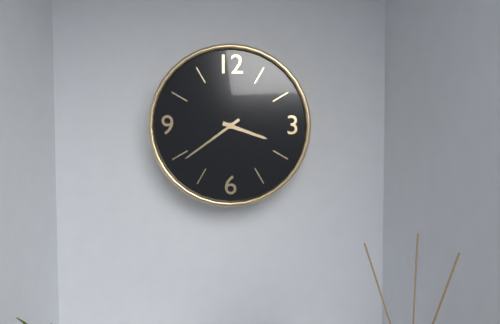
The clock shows 3h39
